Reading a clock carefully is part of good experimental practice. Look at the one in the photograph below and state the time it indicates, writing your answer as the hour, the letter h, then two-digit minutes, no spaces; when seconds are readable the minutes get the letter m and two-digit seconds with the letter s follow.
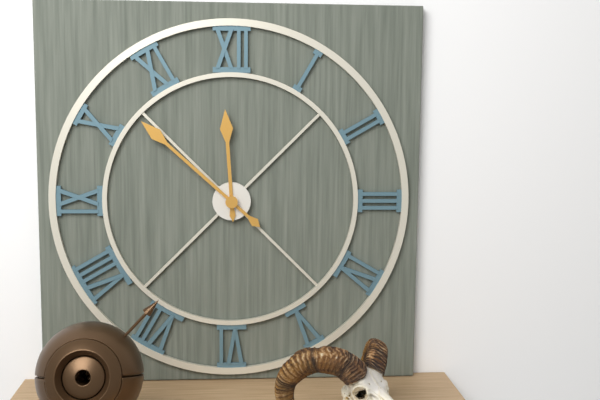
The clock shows 11h52
